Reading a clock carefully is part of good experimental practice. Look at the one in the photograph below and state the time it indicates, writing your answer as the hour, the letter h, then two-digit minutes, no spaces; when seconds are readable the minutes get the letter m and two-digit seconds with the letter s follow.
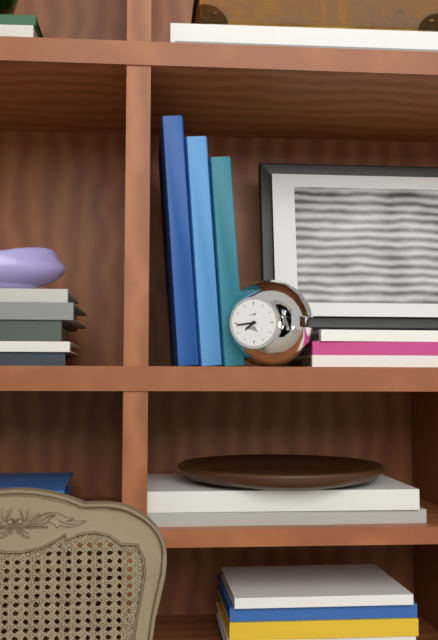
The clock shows 7h44
